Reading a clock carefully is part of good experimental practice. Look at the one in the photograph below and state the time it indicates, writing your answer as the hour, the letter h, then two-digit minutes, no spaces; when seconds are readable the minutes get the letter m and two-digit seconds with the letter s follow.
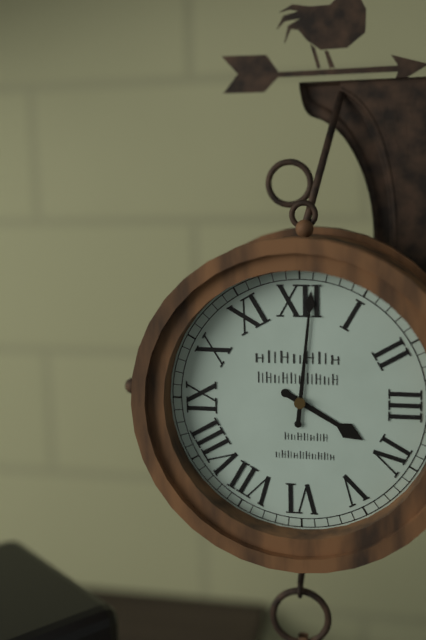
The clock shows 4h01
